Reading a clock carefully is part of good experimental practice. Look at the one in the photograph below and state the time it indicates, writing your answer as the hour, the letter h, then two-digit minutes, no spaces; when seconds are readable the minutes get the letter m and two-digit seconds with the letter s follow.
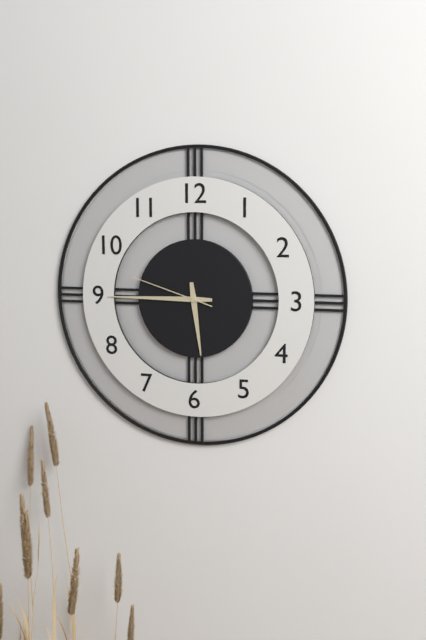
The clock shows 5h45m48s
